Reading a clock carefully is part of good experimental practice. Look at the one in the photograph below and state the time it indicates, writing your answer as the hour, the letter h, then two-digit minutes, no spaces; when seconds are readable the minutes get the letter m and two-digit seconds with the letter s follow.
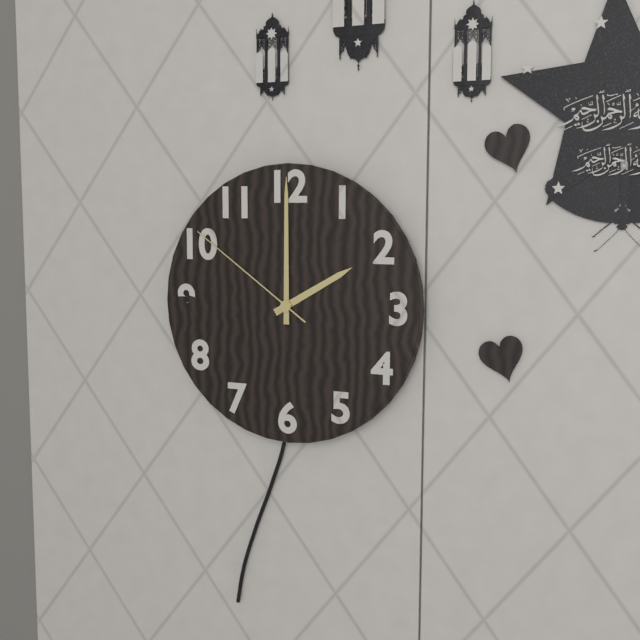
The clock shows 2h00m51s
